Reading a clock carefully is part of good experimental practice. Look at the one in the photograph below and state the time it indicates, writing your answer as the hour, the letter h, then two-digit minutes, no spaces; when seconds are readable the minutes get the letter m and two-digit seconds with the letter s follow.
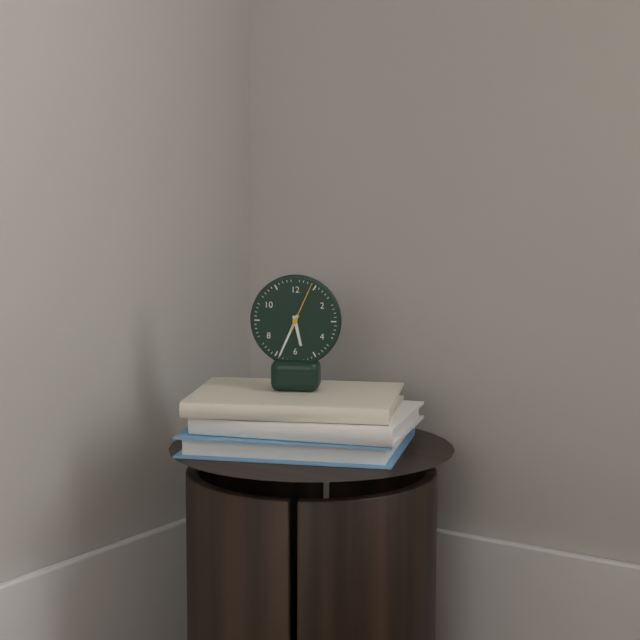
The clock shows 5h34m04s
